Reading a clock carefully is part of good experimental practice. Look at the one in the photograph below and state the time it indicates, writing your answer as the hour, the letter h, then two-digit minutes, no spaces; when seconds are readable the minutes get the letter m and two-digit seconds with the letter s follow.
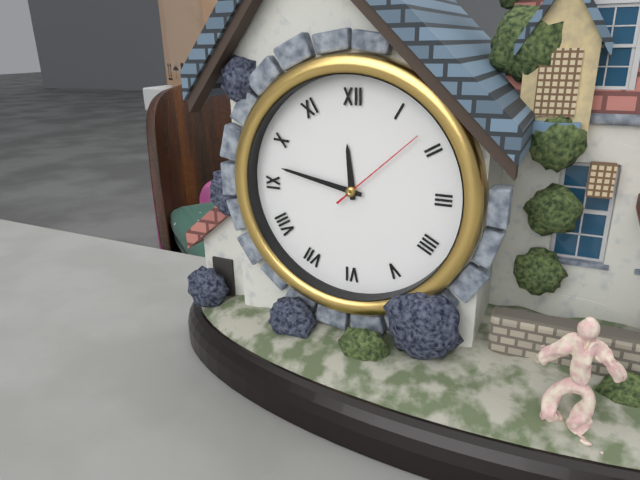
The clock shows 11h47m08s
